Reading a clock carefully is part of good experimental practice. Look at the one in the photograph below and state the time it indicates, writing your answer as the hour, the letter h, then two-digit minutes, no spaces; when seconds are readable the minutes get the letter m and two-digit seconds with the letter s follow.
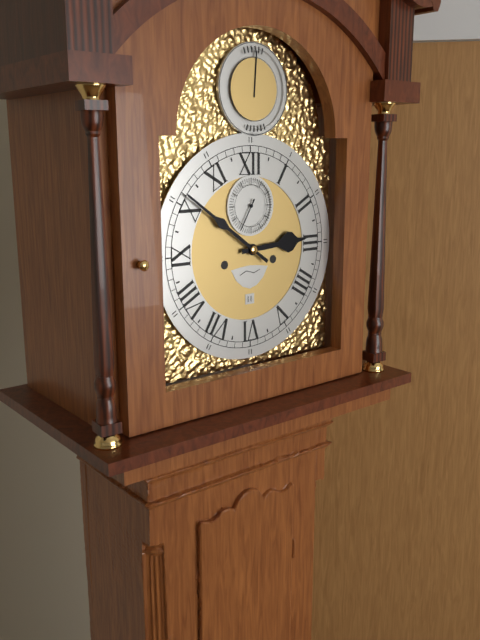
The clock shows 2h51
